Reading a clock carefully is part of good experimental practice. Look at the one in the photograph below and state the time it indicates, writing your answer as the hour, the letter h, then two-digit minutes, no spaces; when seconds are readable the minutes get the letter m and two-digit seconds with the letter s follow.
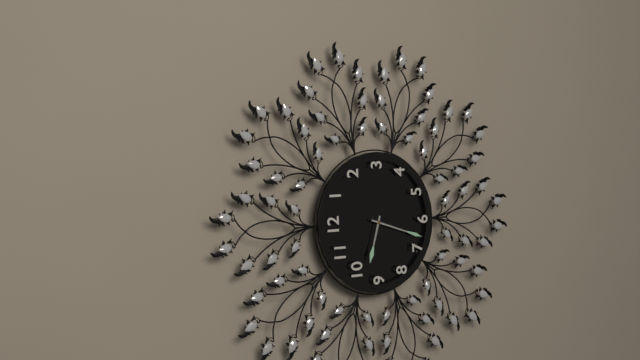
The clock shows 9h33
